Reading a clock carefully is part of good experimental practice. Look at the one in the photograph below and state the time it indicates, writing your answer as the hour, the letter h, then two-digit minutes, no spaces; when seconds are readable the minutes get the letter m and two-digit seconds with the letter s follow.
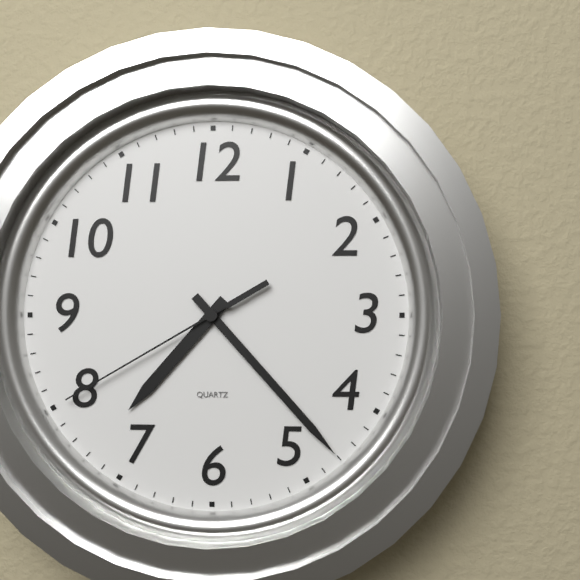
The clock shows 7h23m40s
